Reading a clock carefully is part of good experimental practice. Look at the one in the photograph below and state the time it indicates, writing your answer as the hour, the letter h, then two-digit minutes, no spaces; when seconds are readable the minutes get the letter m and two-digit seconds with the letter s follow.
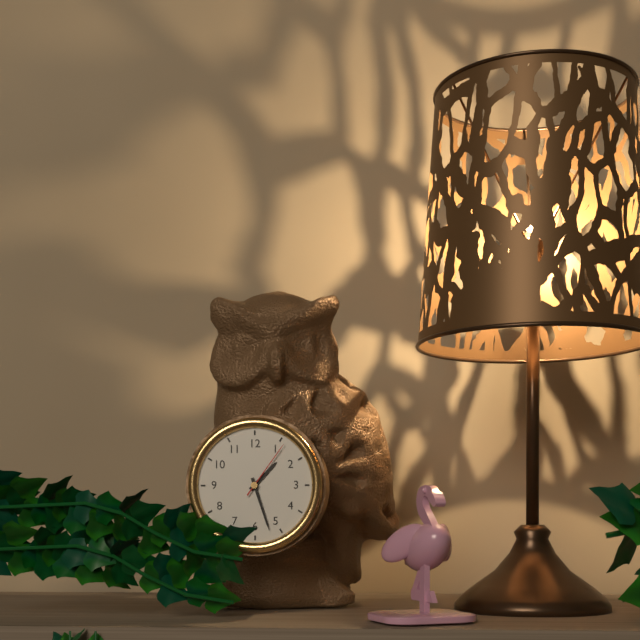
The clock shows 1h27m06s
